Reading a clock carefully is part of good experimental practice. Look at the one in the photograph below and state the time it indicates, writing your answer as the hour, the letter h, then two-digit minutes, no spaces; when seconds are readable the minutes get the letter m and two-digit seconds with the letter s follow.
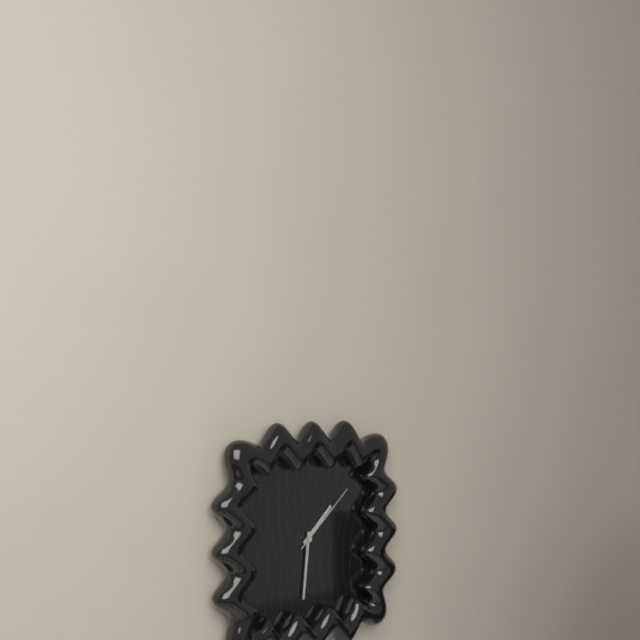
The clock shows 1h31m08s
